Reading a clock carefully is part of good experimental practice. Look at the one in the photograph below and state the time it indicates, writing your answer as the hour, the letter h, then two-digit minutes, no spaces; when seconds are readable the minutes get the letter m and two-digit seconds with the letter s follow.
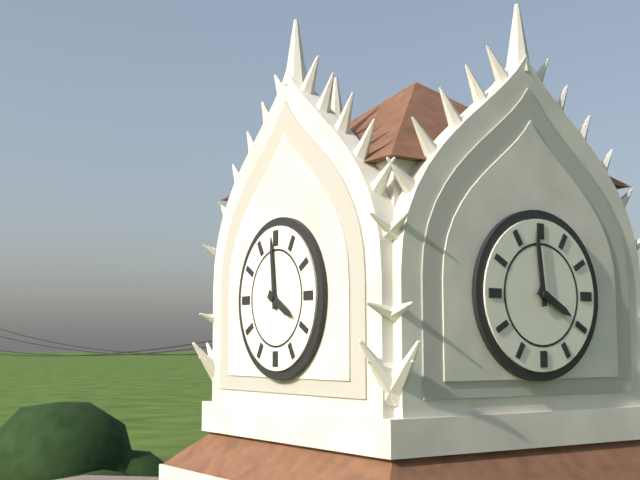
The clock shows 3h59
